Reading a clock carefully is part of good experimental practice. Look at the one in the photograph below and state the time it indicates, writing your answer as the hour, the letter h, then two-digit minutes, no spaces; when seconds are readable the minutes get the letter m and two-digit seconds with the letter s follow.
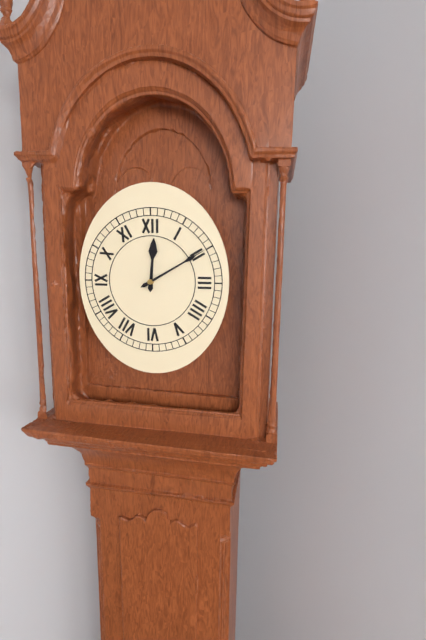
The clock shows 12h10
